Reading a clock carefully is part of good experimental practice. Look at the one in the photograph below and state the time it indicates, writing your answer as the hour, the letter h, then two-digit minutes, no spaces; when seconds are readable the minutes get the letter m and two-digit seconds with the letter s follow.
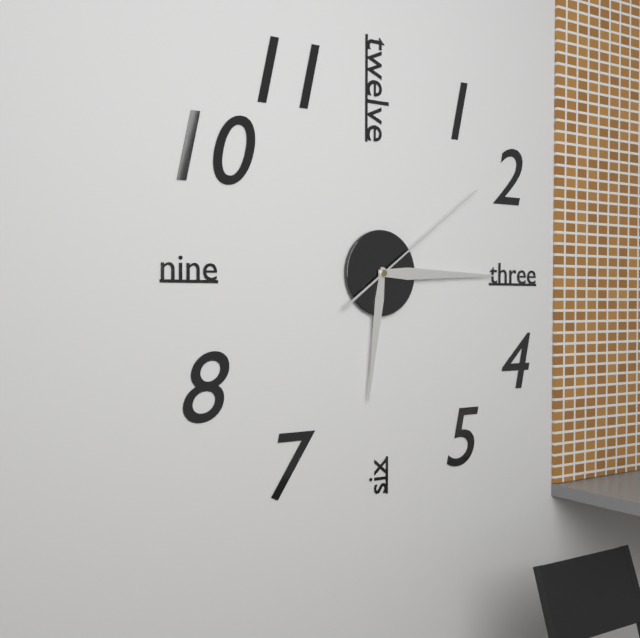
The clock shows 6h15m09s
